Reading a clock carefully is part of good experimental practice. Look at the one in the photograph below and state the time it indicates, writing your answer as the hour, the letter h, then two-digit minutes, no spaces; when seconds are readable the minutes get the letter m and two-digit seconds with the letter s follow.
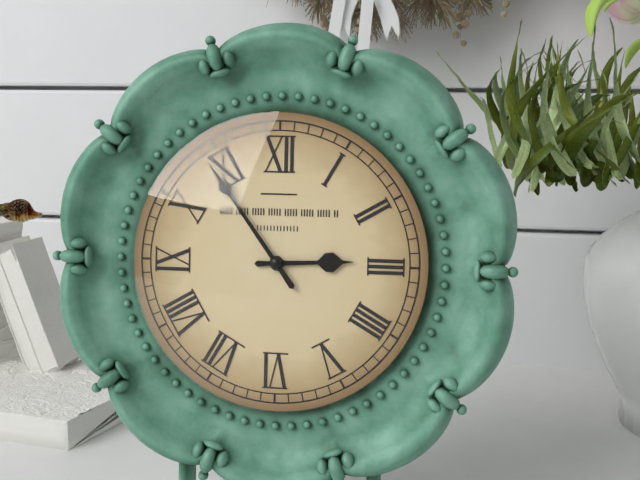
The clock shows 2h54
